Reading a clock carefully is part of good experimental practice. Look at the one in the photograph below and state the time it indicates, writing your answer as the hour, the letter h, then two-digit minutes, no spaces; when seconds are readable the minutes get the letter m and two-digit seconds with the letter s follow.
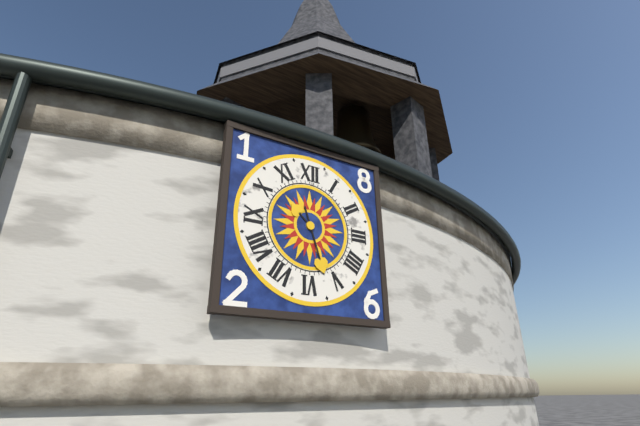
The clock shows 10h27
